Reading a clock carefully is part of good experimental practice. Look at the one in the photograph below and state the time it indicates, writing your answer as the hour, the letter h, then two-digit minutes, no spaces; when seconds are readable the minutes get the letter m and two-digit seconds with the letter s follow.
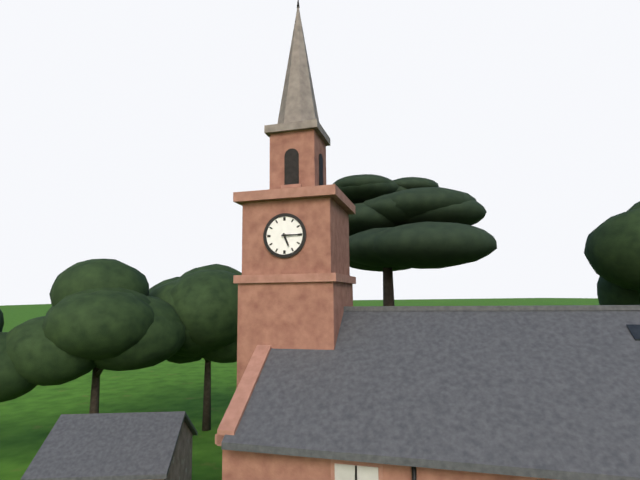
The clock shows 5h15
